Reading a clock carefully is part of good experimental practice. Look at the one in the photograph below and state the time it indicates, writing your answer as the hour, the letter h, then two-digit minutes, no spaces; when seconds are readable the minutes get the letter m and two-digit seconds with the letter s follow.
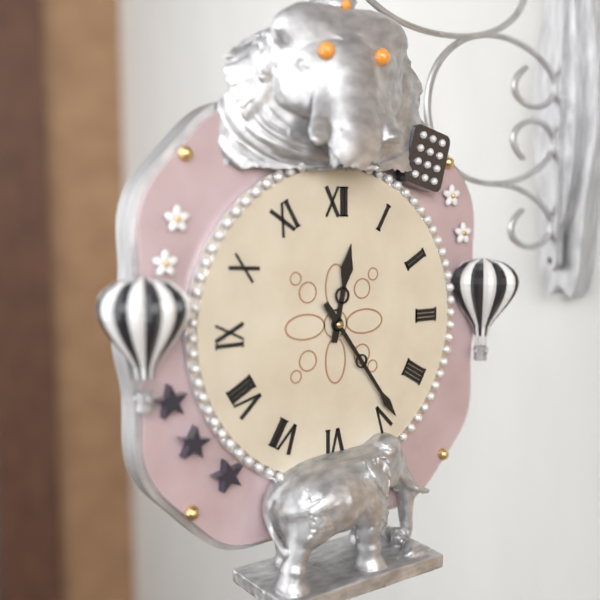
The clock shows 12h24
